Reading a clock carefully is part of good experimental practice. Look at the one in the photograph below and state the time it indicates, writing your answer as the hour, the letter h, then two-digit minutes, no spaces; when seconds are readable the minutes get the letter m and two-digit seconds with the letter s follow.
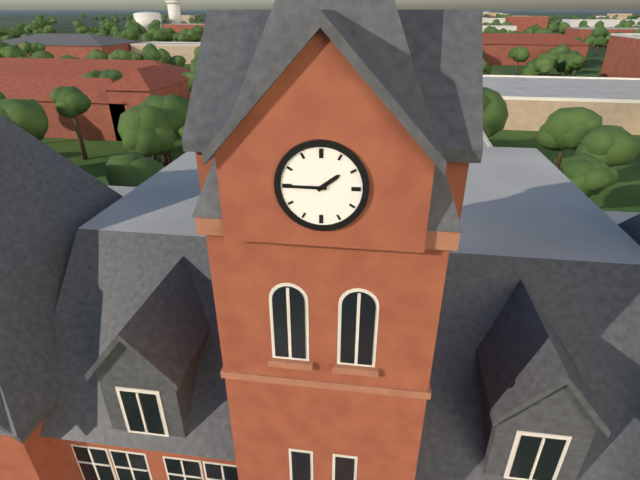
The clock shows 1h45
